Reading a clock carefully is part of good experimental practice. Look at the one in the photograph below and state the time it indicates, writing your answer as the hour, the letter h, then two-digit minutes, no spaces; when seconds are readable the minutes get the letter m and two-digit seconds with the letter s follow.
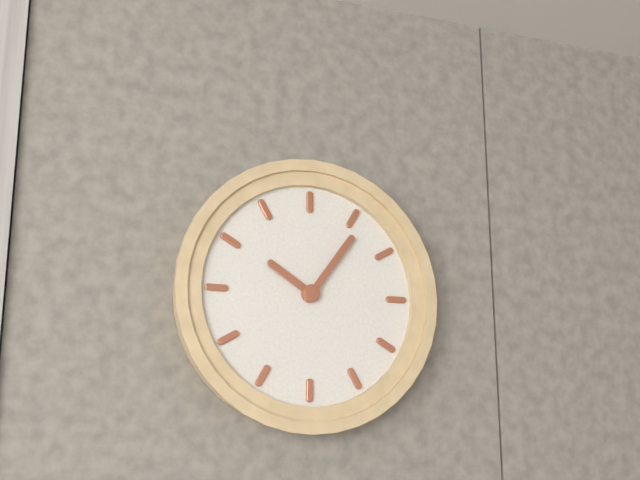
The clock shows 10h06
